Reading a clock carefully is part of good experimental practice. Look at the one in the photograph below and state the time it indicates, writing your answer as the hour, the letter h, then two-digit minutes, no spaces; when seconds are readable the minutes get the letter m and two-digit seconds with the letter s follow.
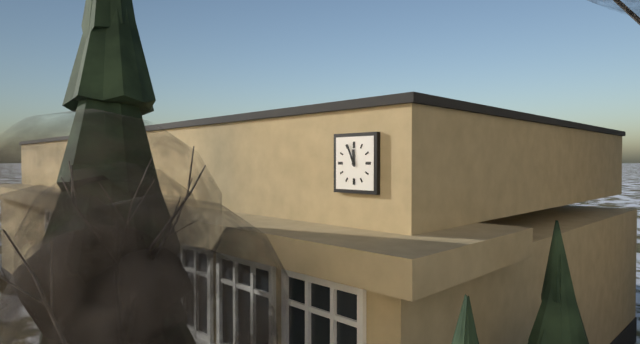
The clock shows 11h56
